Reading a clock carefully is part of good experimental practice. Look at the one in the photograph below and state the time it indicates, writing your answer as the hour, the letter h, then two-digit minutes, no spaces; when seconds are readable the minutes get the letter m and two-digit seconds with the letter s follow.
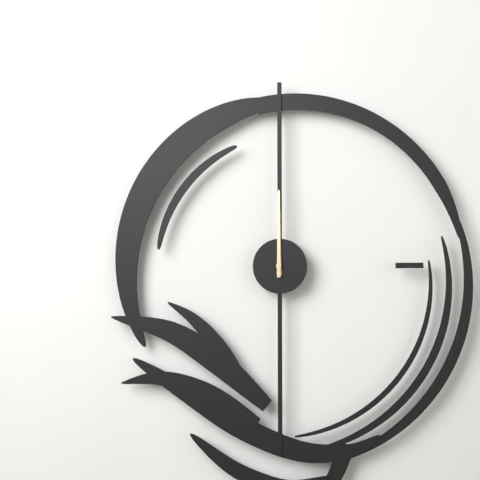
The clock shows 12h00
